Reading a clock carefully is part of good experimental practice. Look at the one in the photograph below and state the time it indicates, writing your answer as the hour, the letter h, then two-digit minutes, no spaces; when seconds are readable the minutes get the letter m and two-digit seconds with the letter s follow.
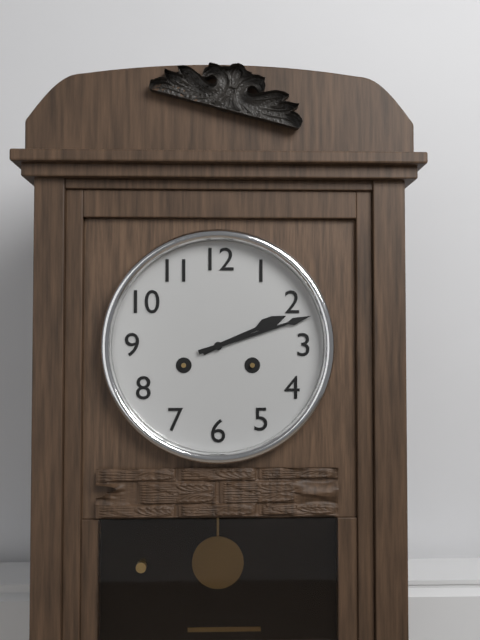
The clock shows 2h12
